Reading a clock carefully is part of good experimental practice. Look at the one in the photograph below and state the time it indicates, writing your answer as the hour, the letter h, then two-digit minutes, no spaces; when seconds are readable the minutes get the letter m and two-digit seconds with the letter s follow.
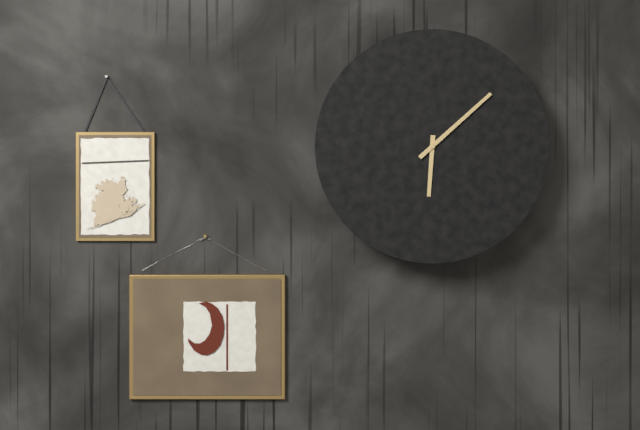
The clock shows 6h08
